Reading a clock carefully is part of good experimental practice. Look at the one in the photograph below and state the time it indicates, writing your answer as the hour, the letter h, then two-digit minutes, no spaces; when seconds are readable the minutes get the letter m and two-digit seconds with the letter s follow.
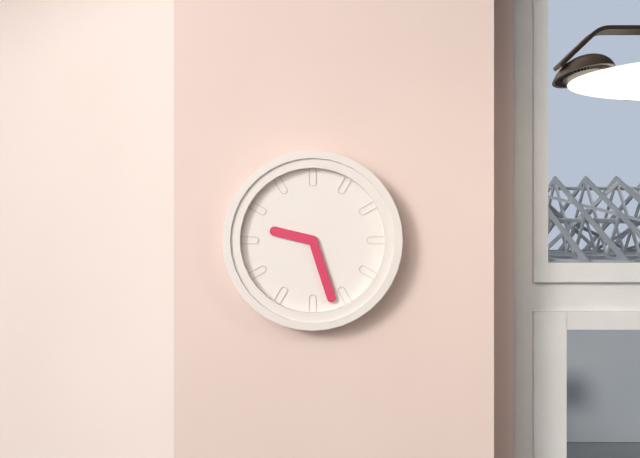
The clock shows 9h27
